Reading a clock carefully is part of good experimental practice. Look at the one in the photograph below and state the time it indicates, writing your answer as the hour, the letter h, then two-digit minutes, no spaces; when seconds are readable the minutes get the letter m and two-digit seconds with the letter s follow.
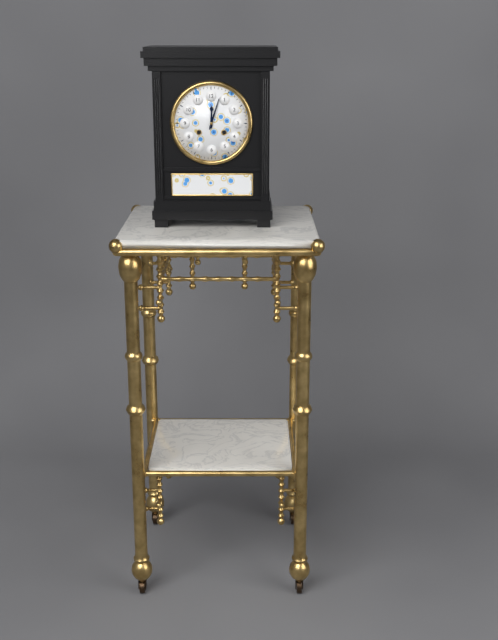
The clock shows 12h03
